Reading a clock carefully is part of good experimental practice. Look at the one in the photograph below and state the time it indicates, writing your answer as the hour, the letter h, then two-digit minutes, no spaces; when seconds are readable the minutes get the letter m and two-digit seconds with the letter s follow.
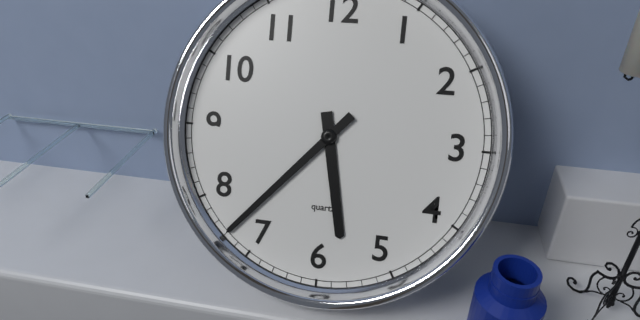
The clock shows 5h37
